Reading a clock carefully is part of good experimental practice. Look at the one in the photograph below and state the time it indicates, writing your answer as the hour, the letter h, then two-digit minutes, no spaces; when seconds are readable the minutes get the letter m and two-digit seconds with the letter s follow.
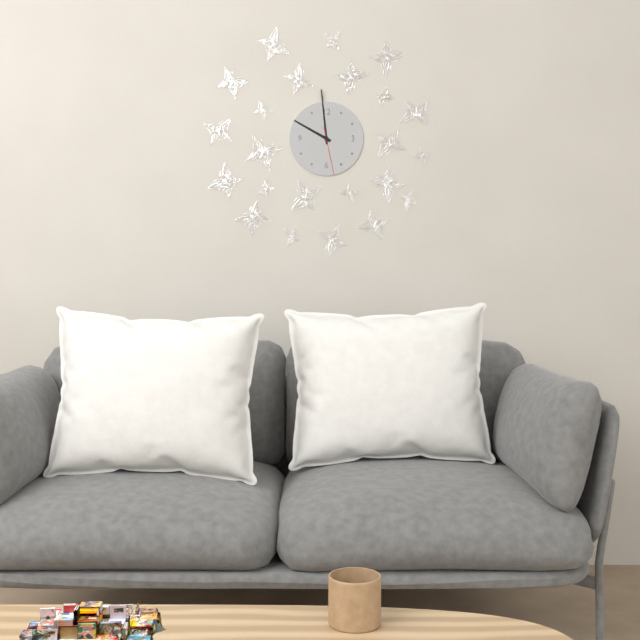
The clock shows 9h59
